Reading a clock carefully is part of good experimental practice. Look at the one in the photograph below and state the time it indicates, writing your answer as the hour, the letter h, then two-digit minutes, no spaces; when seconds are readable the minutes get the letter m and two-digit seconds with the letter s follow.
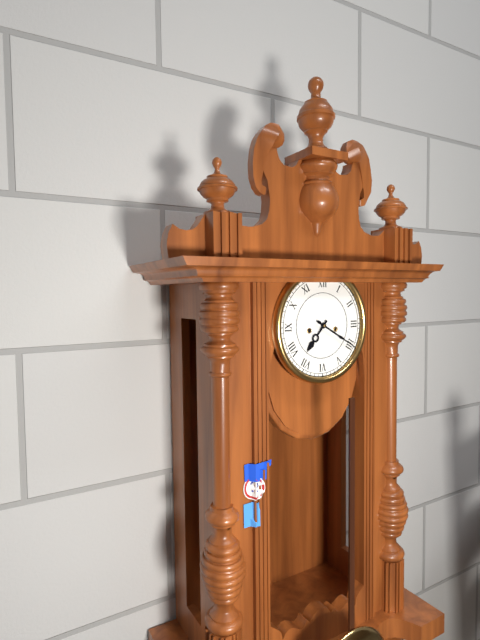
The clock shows 7h20
